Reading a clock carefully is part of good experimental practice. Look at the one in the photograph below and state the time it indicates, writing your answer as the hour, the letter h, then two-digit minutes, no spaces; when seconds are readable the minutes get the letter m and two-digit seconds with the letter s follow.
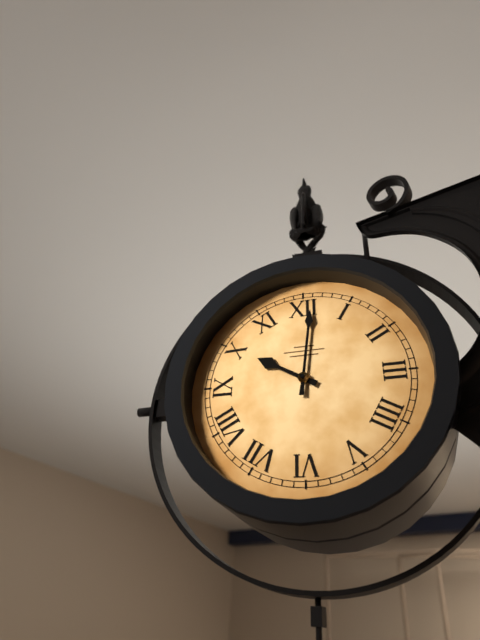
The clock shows 10h01
